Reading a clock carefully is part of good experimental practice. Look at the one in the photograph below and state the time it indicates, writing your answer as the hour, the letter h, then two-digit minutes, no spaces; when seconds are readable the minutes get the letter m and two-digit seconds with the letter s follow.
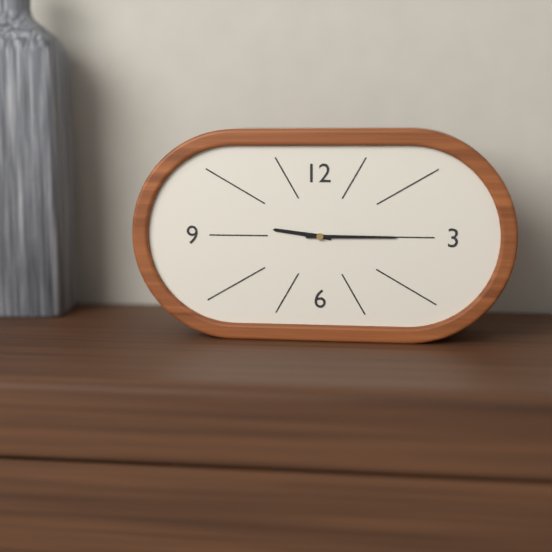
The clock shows 9h15
